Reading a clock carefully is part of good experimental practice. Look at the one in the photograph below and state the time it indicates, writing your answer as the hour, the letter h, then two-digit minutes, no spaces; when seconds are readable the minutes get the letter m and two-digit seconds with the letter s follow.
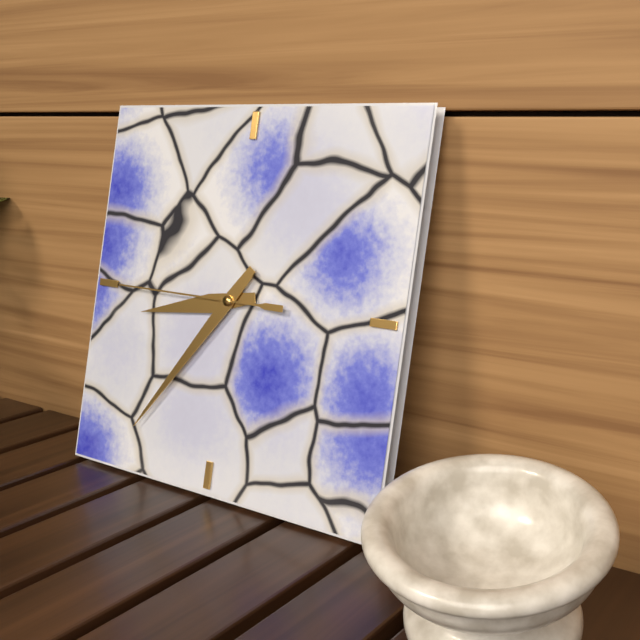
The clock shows 8h36m45s
